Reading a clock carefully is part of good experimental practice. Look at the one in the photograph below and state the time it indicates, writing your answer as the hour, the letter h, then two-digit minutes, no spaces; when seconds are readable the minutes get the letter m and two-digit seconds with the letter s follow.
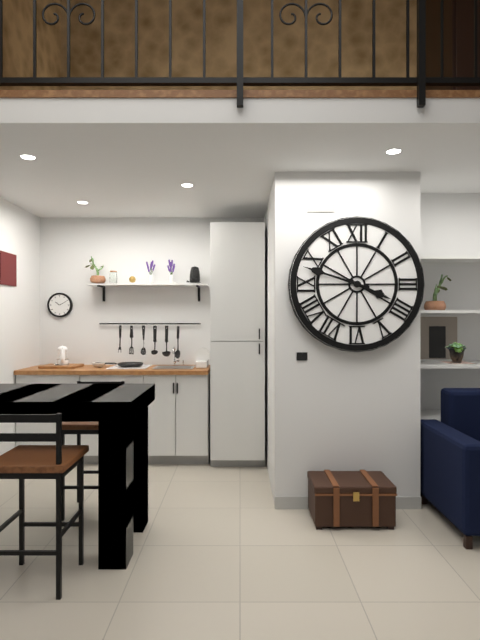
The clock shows 3h48
